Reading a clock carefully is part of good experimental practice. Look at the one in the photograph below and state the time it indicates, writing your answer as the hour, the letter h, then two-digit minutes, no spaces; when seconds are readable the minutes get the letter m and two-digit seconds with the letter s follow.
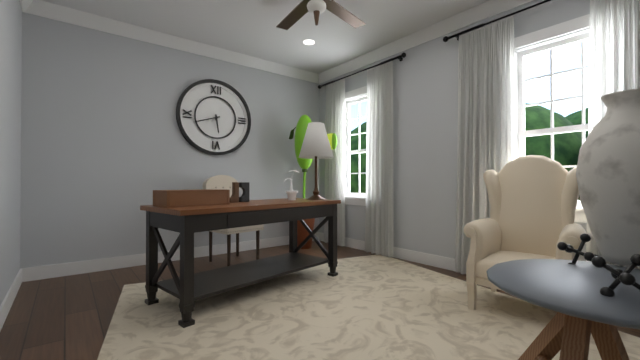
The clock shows 5h42
